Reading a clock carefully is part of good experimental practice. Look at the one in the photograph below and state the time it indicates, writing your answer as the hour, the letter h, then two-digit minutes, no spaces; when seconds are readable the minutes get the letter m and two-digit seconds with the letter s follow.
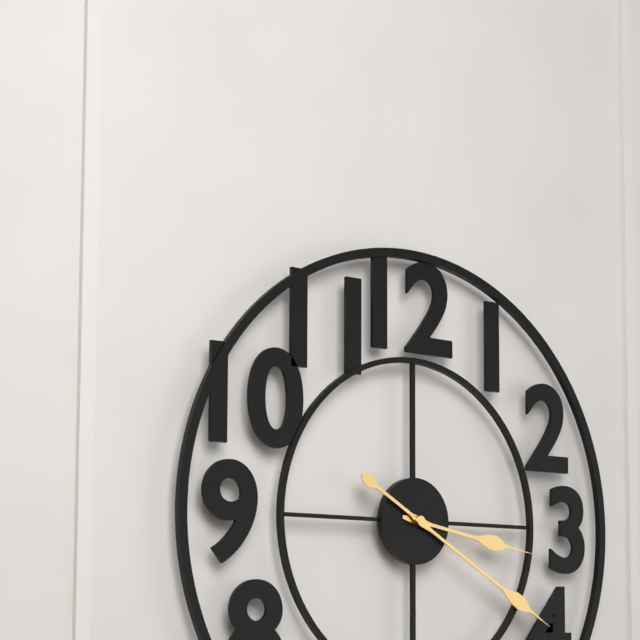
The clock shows 3h20
